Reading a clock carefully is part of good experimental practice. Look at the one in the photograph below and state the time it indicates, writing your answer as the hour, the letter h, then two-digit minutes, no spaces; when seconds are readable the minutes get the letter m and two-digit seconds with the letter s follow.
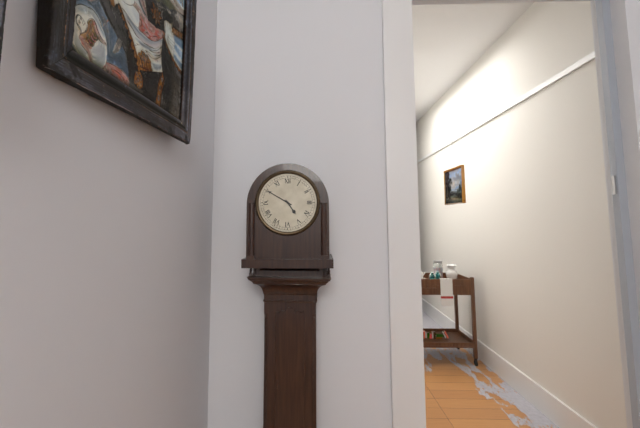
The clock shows 4h50
